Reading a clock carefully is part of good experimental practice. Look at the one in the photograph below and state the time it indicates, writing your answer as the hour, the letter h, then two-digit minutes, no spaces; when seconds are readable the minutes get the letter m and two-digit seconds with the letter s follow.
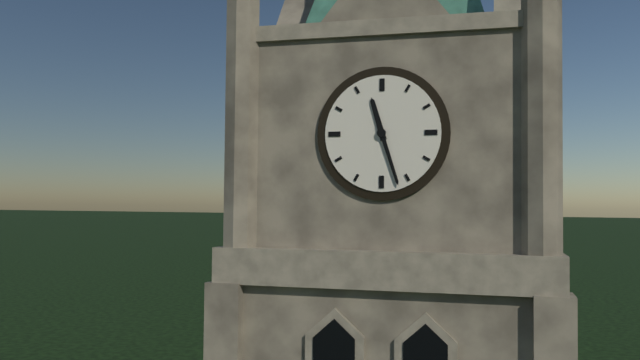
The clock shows 11h27
